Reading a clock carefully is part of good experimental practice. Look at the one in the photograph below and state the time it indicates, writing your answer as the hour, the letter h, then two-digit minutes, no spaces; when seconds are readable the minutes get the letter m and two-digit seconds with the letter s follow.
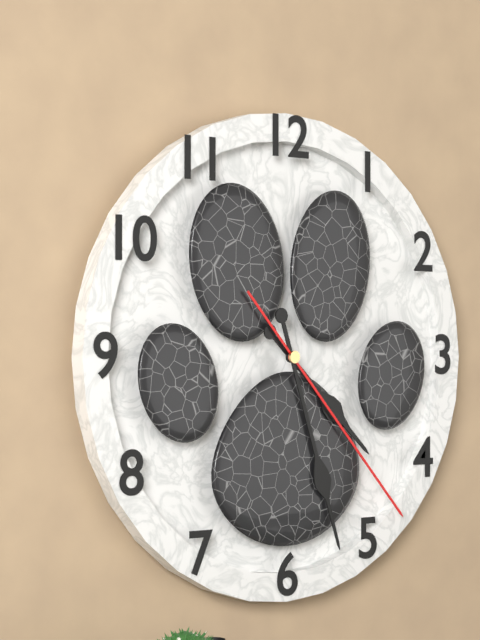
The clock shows 4h27m23s
